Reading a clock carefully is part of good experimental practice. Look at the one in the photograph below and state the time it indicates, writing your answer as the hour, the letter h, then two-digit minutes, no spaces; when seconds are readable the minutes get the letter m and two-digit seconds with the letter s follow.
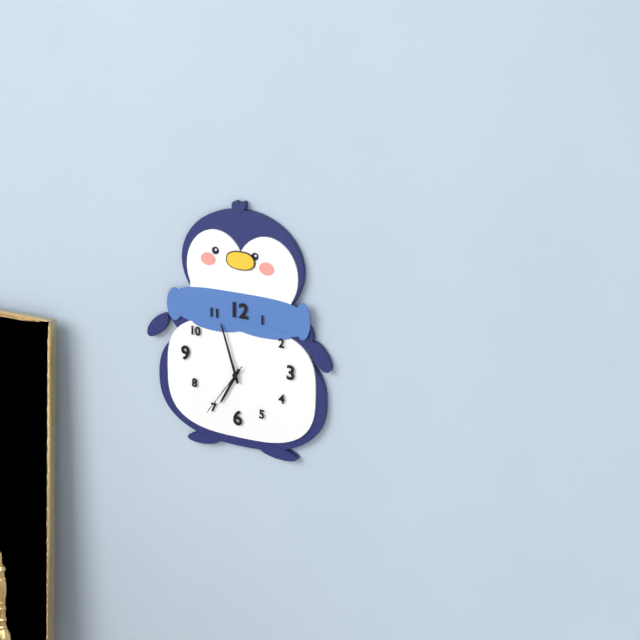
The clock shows 6h57m36s
